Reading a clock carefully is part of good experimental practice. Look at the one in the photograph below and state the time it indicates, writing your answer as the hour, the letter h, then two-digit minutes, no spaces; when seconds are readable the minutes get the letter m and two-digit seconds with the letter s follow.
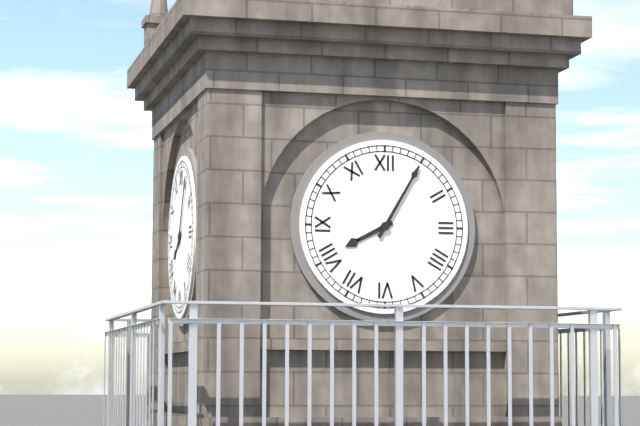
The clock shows 8h05
